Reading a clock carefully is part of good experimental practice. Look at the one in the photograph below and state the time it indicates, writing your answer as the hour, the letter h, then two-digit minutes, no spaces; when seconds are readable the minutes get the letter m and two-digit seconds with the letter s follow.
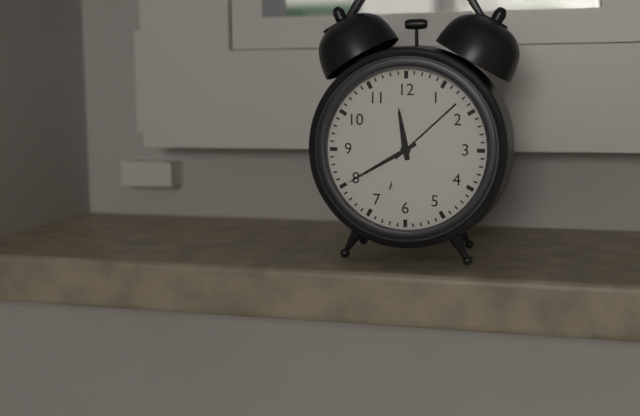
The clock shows 11h40
